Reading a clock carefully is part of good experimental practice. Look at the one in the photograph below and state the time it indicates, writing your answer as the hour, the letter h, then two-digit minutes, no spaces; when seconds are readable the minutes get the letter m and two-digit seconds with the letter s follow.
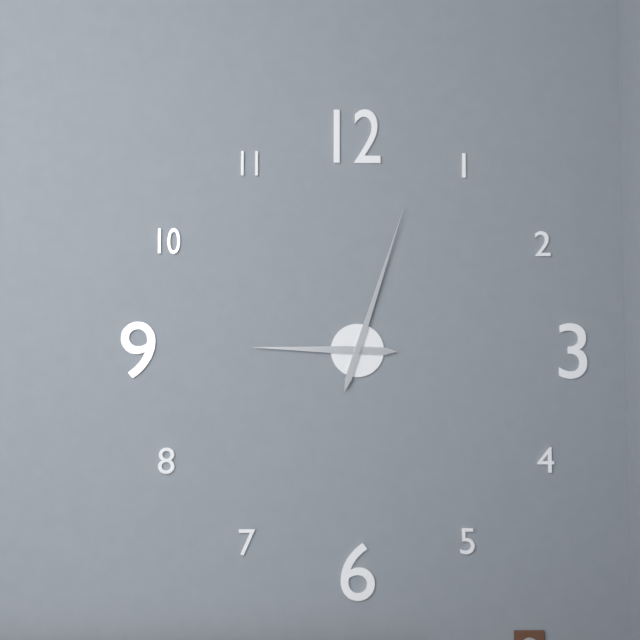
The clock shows 9h03
